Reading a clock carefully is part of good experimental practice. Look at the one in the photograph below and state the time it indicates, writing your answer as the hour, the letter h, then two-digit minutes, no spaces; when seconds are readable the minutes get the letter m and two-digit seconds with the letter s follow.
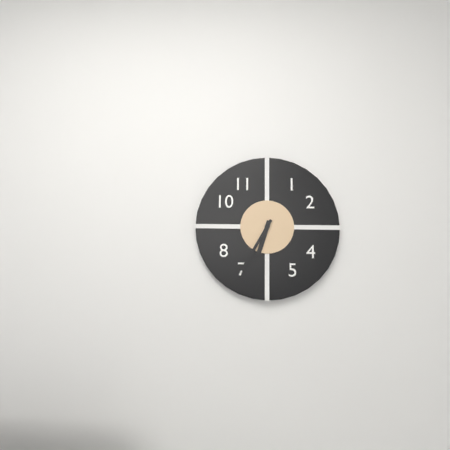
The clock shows 6h35
